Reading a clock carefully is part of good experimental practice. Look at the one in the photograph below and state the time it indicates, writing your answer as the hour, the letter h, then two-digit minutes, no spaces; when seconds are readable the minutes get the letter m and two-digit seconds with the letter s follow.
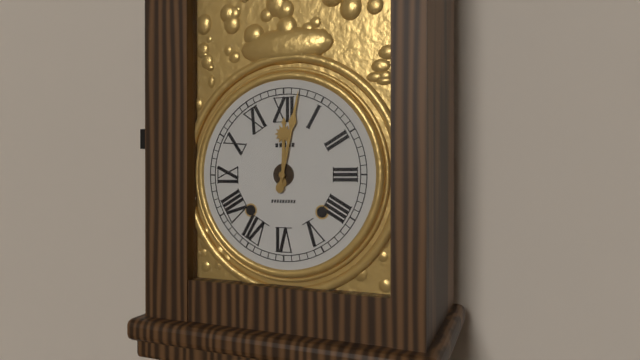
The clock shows 12h02
